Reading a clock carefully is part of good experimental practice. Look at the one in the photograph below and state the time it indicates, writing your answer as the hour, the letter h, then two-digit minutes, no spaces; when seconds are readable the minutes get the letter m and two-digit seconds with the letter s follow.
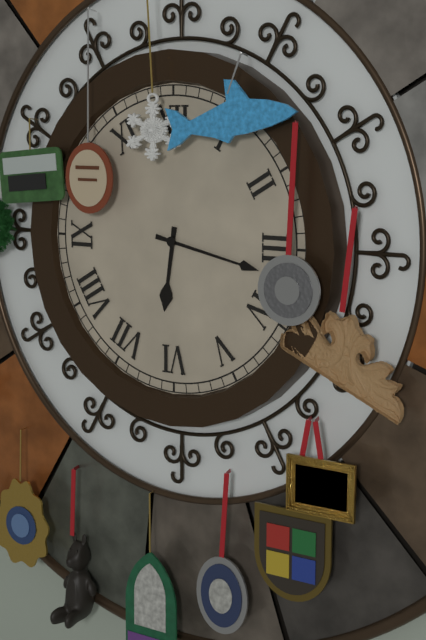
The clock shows 6h17
